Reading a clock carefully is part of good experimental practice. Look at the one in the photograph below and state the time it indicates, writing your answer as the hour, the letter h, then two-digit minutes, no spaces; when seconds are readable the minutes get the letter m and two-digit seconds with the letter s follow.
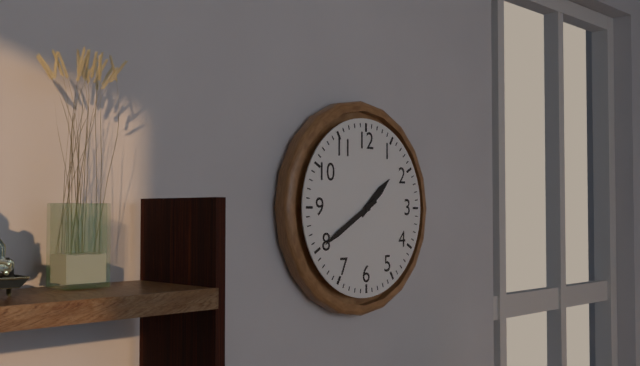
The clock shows 1h40
